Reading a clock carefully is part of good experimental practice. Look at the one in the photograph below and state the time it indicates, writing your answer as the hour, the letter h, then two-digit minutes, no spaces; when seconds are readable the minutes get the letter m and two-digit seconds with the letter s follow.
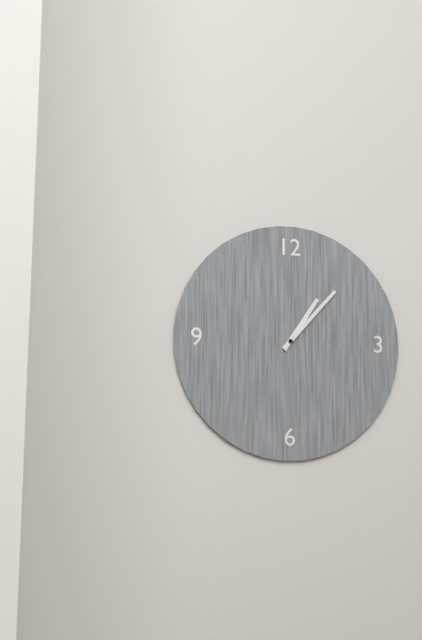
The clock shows 1h07
